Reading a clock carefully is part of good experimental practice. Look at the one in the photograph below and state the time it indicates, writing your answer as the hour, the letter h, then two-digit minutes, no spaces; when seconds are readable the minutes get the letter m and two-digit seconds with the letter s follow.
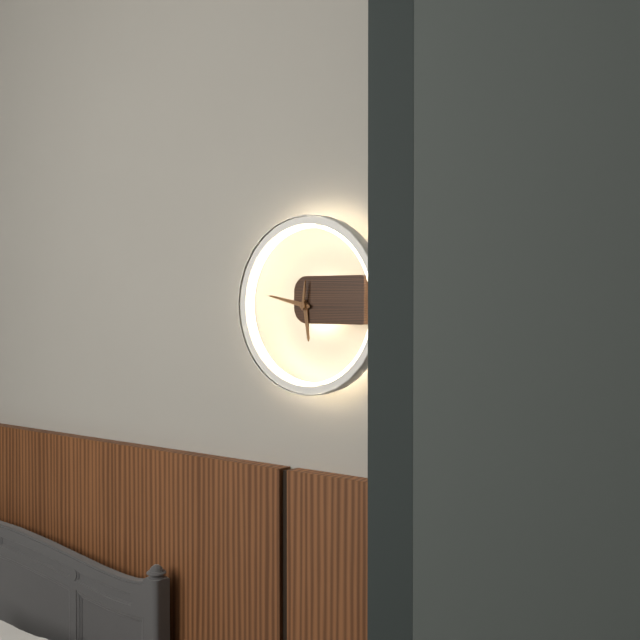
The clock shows 5h47
